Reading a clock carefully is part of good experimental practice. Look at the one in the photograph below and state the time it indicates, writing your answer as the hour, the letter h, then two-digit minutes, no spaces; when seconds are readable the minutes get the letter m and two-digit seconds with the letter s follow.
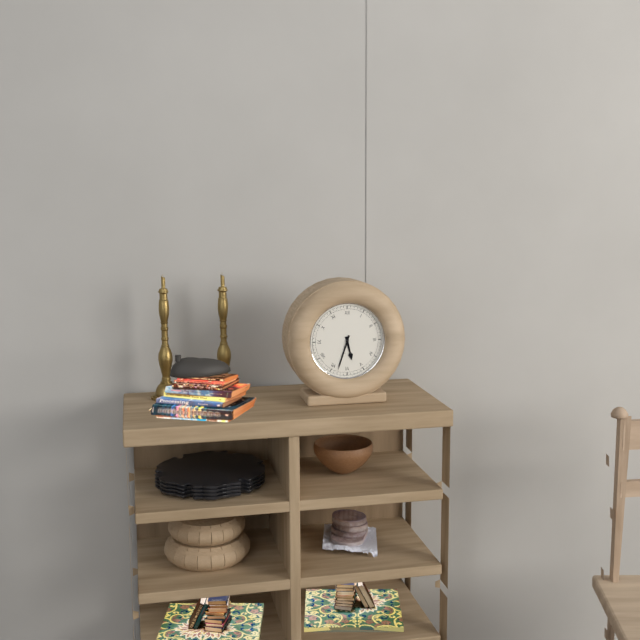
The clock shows 5h33
